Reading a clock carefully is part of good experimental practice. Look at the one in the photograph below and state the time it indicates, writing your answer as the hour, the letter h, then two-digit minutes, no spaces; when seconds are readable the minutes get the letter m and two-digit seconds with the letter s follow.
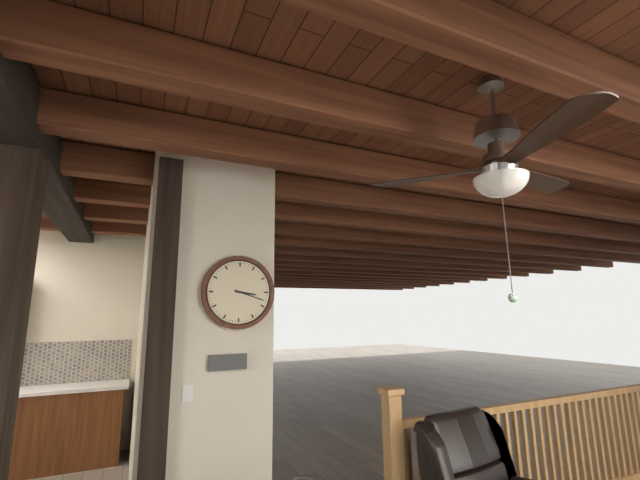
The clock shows 3h18
